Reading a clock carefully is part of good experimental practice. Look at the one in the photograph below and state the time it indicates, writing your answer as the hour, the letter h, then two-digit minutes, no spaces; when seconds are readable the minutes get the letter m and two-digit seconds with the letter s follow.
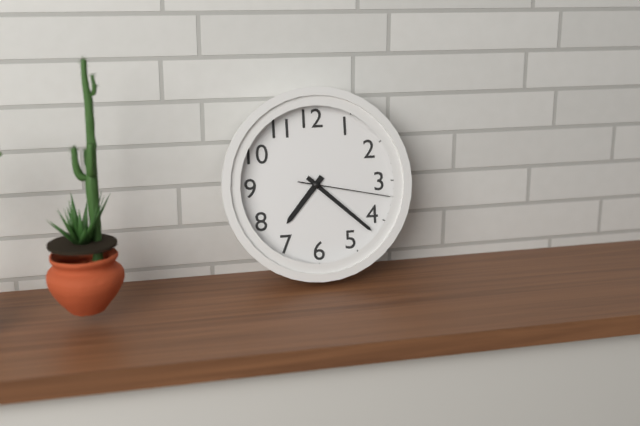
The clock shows 7h22m17s
